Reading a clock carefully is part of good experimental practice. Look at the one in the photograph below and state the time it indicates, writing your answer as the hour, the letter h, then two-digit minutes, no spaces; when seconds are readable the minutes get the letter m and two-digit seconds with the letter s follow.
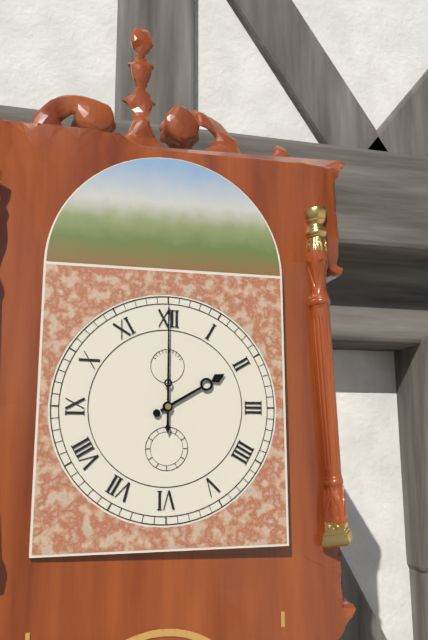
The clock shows 2h00
